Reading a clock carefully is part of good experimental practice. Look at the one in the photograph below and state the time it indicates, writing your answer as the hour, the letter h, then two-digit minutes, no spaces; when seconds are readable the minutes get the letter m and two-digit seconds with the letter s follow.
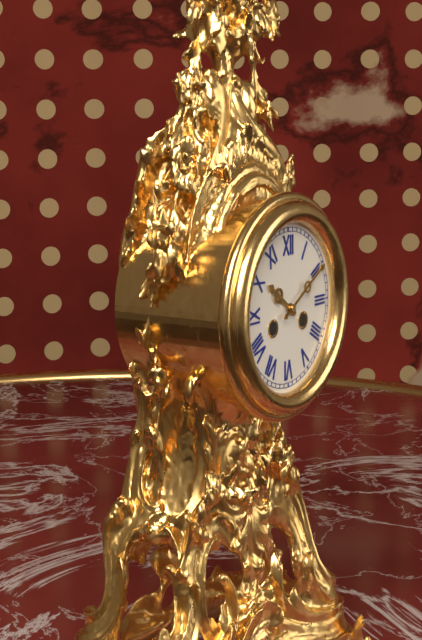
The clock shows 10h10
